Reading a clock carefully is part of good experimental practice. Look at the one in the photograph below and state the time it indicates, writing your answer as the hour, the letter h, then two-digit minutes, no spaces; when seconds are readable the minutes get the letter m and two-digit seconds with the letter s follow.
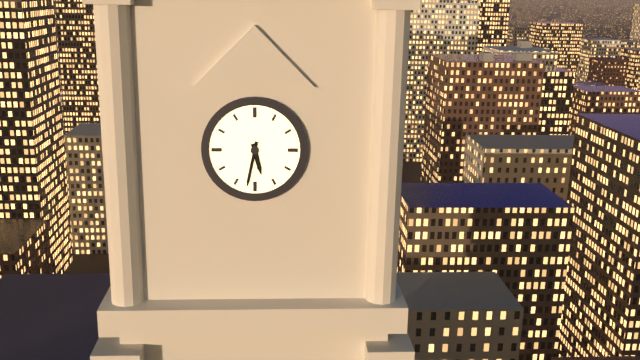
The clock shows 5h32
